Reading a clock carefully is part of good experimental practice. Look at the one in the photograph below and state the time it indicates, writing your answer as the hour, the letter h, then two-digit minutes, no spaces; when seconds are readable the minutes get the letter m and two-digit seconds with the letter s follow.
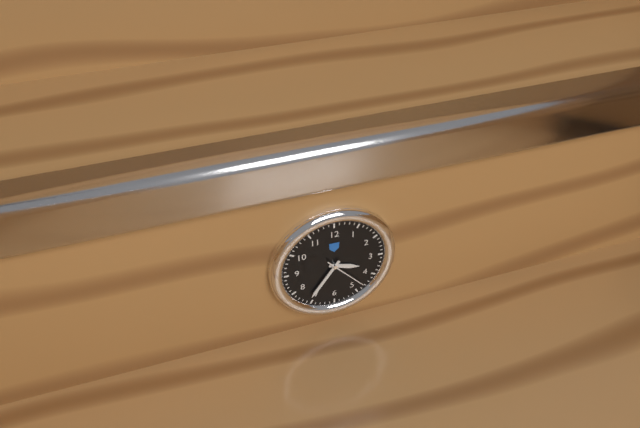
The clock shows 3h36
